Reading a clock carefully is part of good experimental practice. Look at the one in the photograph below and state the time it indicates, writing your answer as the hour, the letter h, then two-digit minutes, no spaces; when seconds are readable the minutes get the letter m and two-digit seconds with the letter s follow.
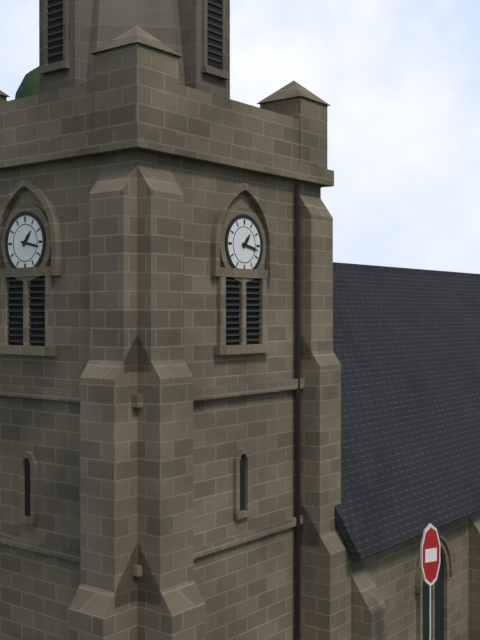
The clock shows 1h17
